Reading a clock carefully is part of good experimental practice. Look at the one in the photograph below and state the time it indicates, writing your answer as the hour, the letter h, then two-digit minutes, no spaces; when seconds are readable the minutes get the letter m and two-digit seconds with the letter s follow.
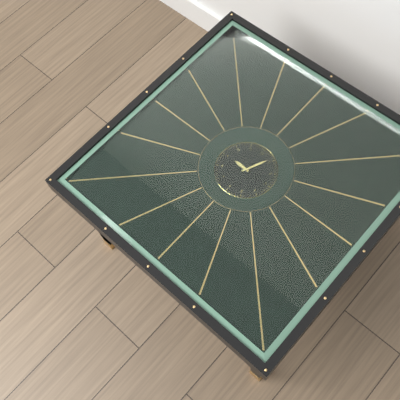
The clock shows 9h04
